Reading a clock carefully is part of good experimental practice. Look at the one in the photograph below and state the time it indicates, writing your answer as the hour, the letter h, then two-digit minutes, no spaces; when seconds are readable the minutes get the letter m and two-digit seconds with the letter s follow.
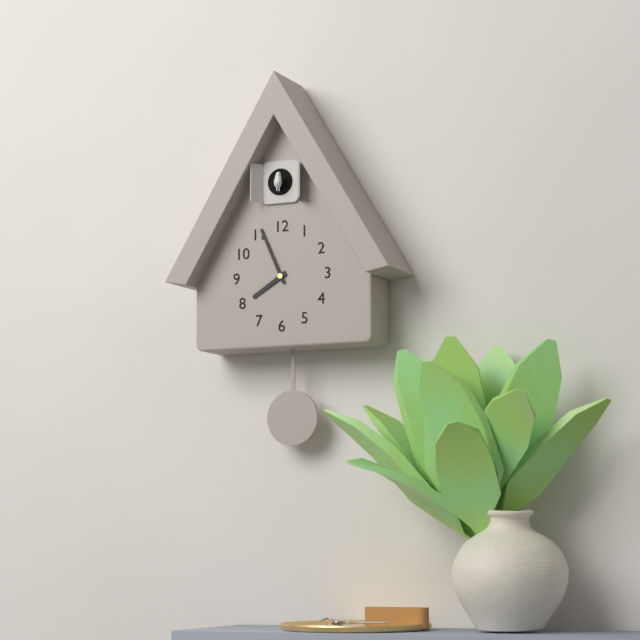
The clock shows 7h56
